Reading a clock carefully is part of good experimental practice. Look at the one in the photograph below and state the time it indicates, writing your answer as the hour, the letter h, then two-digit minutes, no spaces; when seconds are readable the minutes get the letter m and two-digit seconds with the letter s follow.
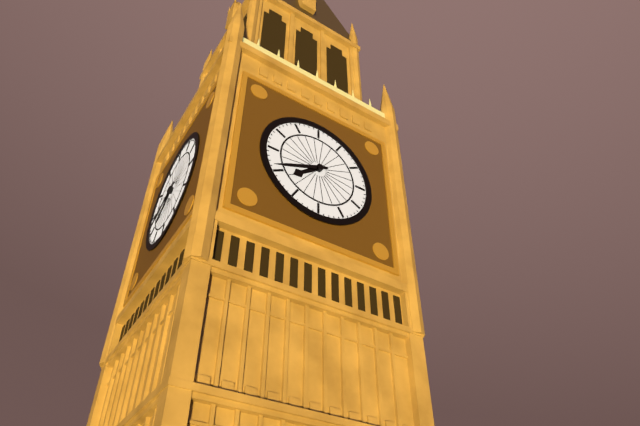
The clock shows 7h41
